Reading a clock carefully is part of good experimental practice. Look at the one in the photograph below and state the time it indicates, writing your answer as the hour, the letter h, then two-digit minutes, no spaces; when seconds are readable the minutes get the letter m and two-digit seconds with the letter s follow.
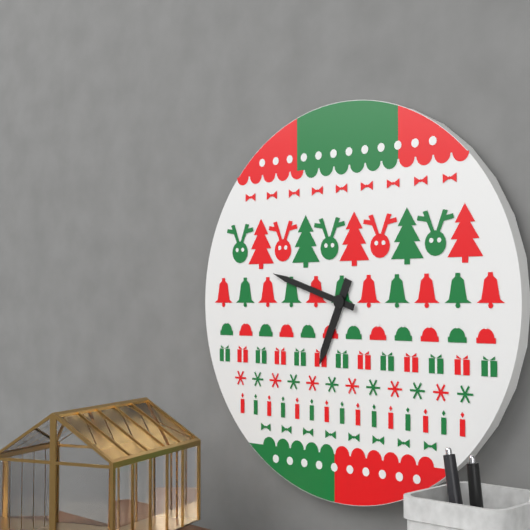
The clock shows 6h48
